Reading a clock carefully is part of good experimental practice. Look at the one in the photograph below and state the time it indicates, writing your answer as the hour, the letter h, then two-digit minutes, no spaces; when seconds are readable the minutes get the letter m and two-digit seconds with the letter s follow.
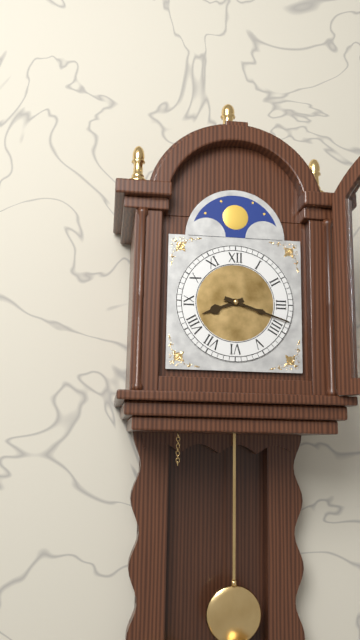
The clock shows 8h18
